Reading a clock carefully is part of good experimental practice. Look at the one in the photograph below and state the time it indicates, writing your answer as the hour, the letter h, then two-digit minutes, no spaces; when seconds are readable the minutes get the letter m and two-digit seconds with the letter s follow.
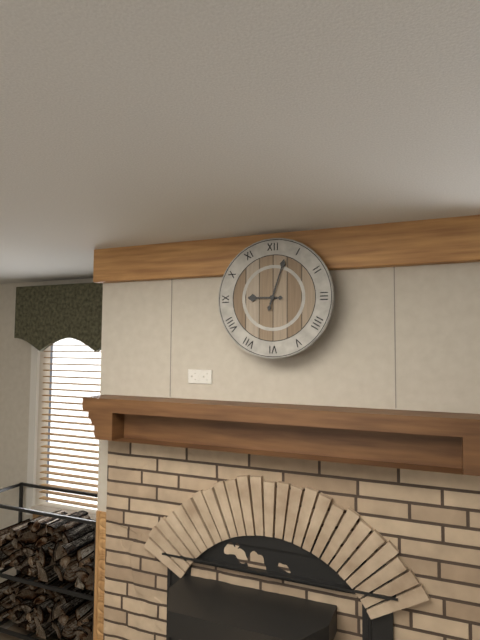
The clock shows 9h03
